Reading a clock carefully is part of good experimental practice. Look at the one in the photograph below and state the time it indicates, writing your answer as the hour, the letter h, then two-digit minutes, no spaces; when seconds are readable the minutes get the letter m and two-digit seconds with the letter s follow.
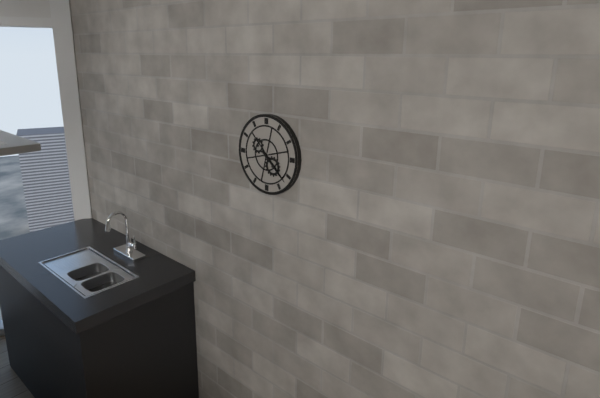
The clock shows 4h22
